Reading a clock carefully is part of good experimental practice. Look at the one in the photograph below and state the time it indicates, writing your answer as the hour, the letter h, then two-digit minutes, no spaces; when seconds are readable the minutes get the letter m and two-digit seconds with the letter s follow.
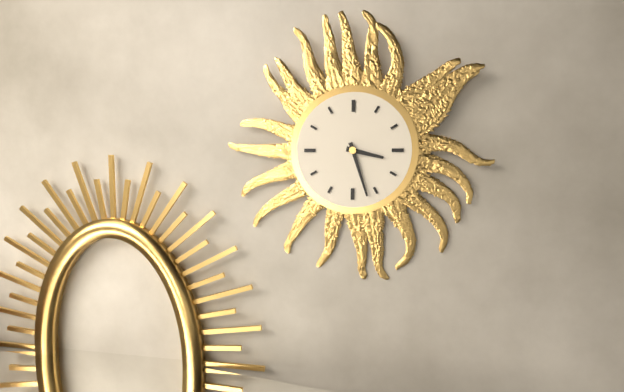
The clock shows 3h27
